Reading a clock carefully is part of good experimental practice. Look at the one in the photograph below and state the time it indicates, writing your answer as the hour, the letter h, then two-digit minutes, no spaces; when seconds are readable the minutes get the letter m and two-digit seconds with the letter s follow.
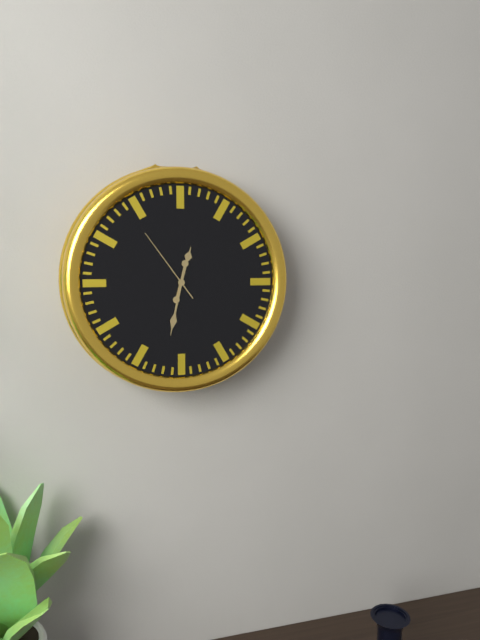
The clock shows 12h32m54s
